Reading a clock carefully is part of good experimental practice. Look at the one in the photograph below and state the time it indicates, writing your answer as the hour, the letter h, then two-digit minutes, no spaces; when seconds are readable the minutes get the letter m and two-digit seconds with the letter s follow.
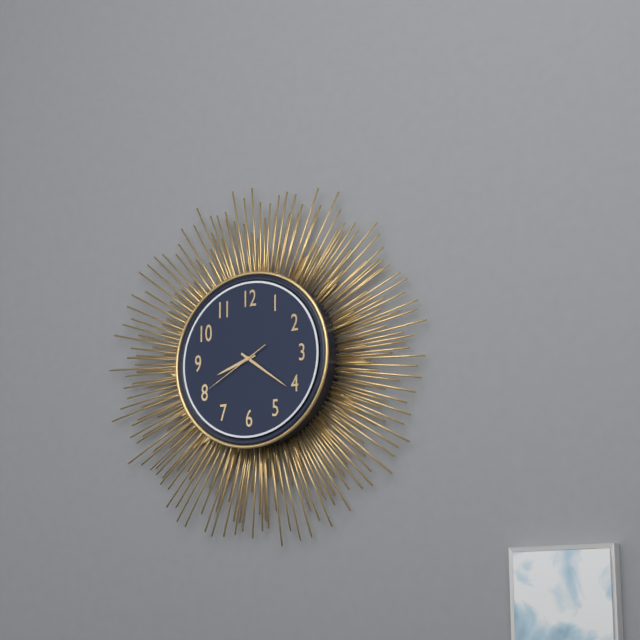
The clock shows 8h21m40s
